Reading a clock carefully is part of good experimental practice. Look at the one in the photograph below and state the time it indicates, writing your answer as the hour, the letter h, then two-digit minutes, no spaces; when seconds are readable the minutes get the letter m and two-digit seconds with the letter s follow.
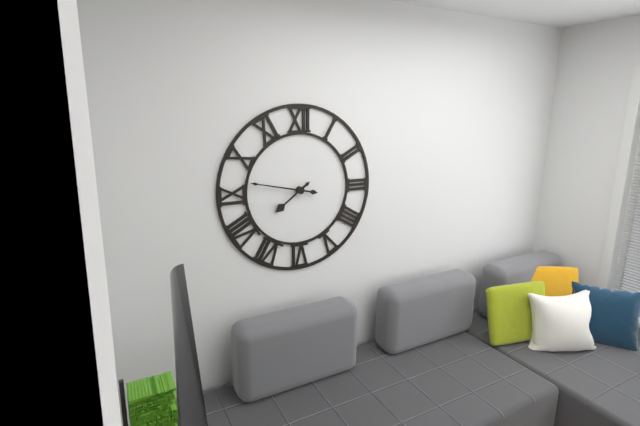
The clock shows 7h47
